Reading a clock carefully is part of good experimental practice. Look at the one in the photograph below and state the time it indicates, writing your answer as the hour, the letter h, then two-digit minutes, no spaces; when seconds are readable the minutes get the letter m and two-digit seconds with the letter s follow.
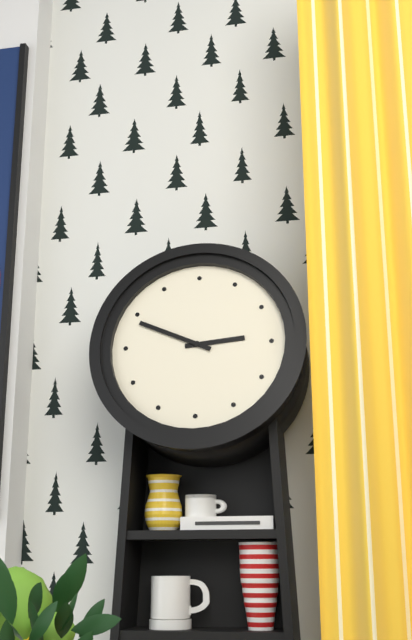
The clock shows 2h49
